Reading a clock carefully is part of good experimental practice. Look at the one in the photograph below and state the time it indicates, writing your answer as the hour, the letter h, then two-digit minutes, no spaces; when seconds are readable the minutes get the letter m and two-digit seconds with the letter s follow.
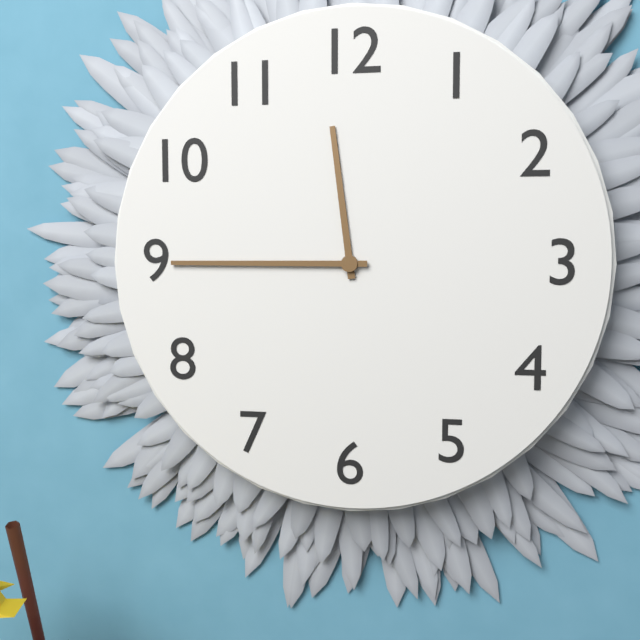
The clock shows 11h45
